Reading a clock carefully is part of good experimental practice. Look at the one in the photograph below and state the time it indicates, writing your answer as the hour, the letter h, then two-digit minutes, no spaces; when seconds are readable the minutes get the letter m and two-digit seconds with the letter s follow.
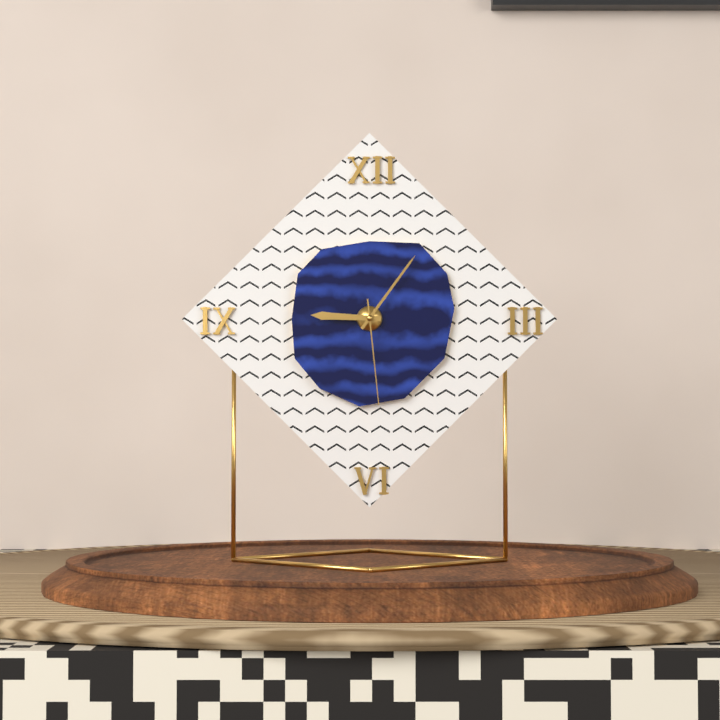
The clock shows 9h06m29s
